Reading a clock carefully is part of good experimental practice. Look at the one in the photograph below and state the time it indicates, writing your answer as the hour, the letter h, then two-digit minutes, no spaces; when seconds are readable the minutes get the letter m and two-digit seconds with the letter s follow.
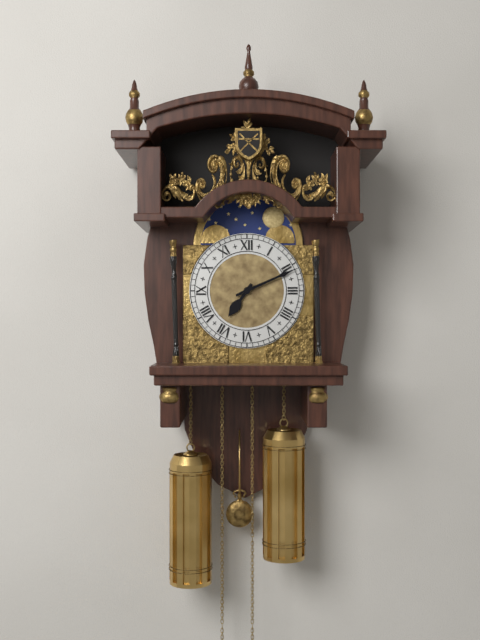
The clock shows 7h11
